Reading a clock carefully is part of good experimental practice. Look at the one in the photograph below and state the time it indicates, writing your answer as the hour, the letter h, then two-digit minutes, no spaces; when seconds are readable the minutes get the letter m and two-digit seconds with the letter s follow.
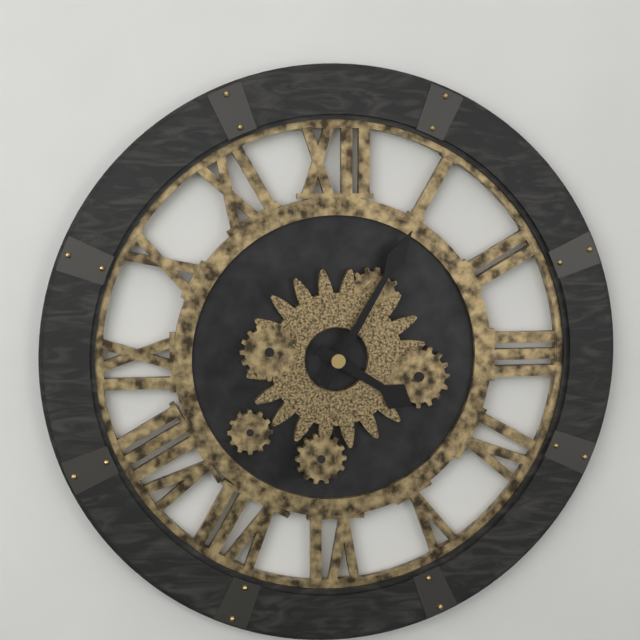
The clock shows 4h05
